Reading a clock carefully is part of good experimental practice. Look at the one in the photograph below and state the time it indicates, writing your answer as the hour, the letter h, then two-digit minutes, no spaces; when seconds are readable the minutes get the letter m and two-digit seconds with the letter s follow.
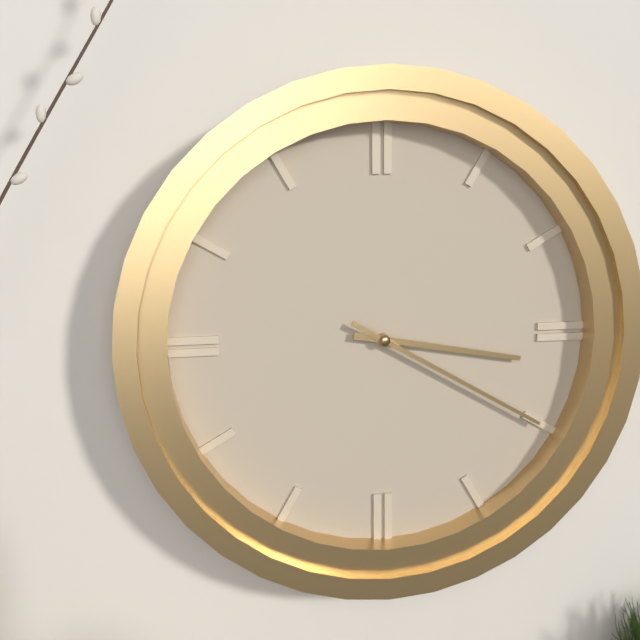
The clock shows 3h20
